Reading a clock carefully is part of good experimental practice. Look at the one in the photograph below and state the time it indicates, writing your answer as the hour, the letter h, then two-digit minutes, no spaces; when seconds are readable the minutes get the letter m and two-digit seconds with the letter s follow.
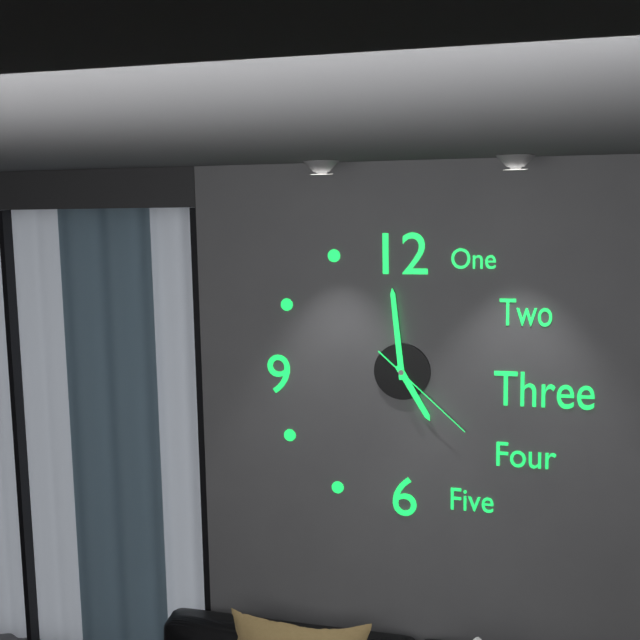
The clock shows 4h59m22s
